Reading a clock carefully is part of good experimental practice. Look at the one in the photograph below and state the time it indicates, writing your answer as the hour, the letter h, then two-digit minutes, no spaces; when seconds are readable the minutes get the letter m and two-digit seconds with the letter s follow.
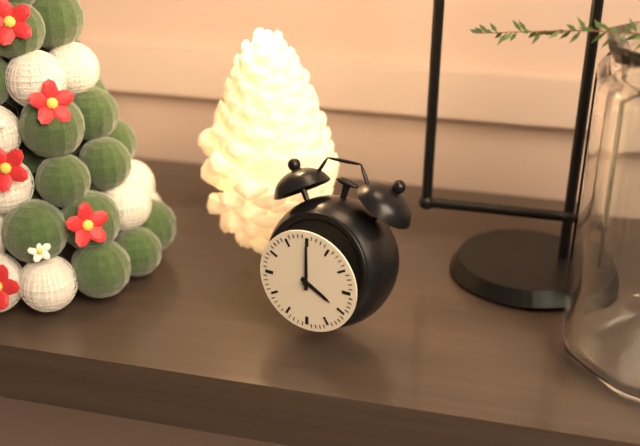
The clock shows 4h00
